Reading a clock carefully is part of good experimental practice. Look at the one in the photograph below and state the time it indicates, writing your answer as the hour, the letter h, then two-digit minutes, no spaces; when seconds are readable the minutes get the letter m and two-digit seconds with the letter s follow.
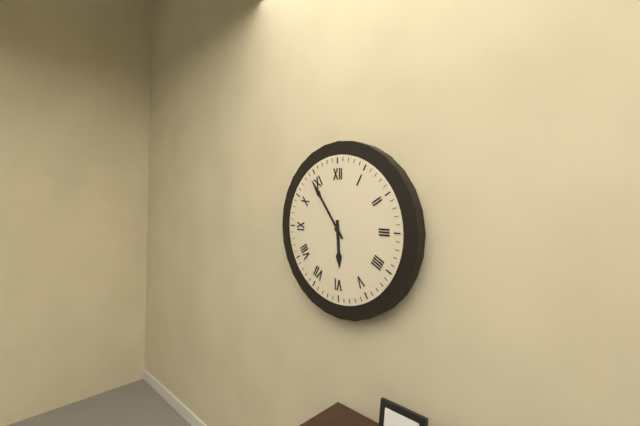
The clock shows 5h54
